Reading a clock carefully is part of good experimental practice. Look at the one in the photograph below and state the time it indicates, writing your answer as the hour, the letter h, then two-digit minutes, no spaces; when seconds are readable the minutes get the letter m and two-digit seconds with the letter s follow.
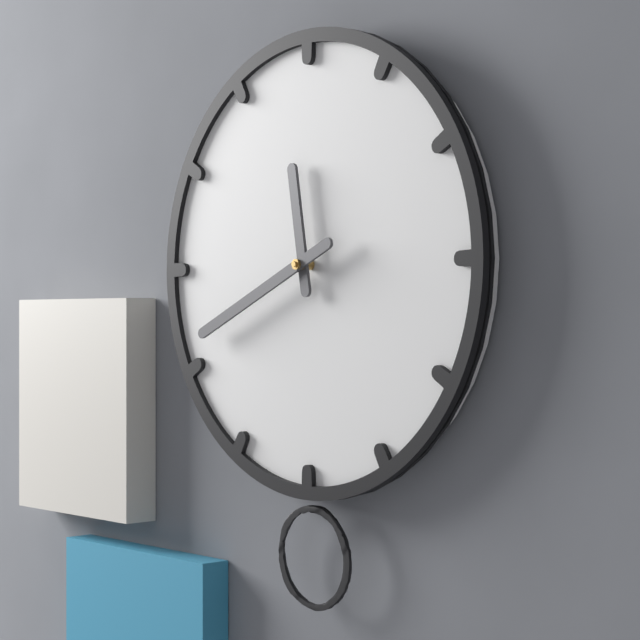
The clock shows 11h41
